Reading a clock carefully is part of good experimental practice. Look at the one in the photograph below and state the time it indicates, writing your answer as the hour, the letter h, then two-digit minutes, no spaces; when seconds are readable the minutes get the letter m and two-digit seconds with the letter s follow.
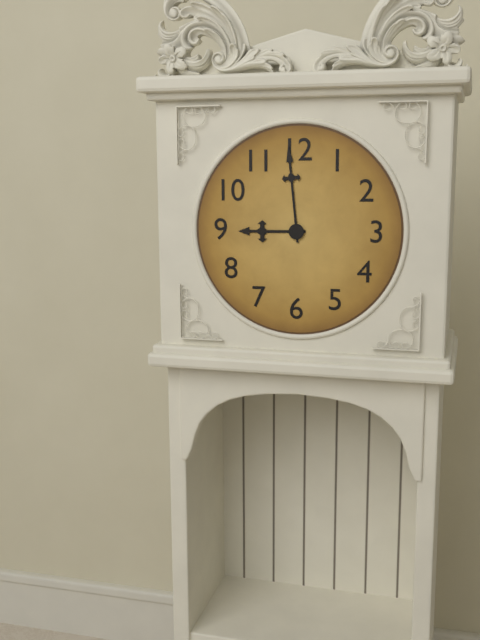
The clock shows 8h59
